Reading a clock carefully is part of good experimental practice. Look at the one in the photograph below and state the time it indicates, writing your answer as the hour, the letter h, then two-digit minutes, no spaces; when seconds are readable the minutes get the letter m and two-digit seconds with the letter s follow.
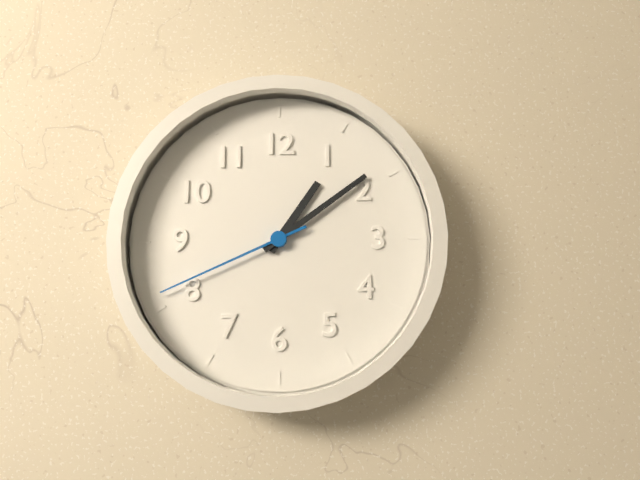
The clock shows 1h09m41s
